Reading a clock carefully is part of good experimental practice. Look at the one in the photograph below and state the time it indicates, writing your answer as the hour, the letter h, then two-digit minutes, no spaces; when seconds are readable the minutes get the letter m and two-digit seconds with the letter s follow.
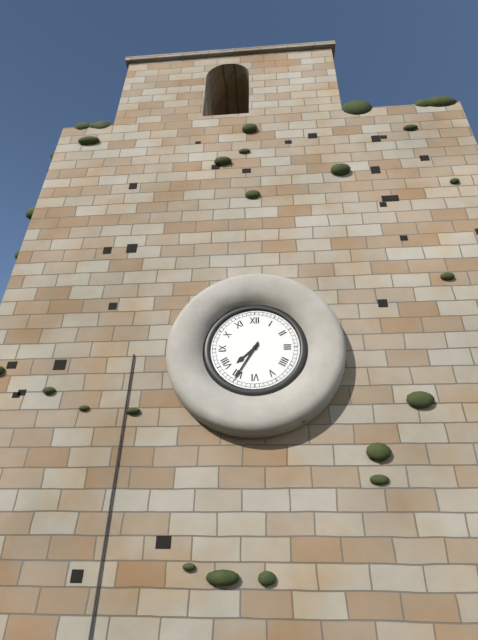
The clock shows 7h35
